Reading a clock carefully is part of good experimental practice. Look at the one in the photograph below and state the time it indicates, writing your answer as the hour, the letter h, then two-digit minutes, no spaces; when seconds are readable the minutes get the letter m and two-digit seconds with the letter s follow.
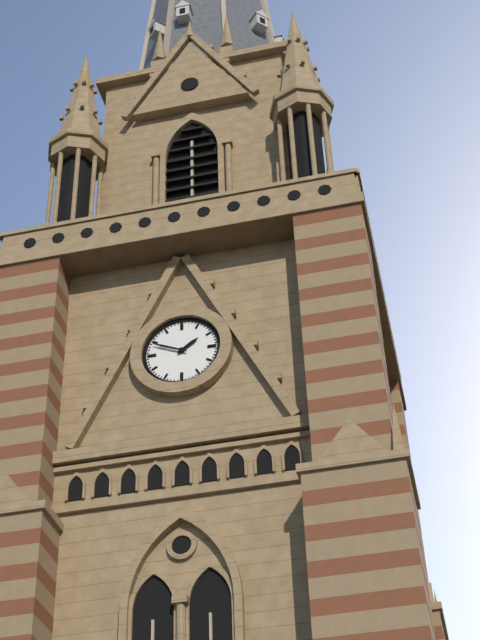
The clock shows 1h49
